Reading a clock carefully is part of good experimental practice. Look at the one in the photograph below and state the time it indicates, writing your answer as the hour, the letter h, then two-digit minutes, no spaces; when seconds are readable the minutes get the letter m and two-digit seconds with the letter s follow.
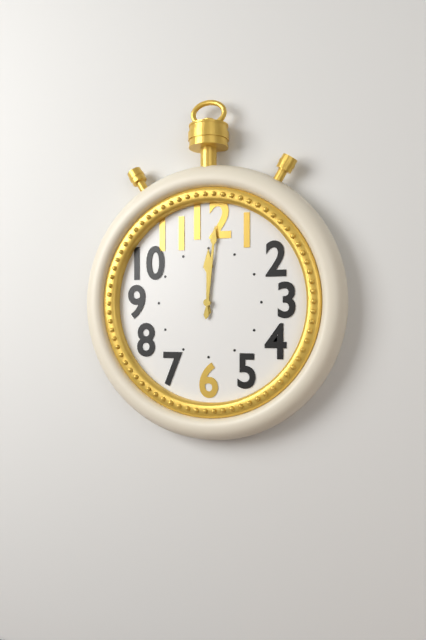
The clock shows 12h01
